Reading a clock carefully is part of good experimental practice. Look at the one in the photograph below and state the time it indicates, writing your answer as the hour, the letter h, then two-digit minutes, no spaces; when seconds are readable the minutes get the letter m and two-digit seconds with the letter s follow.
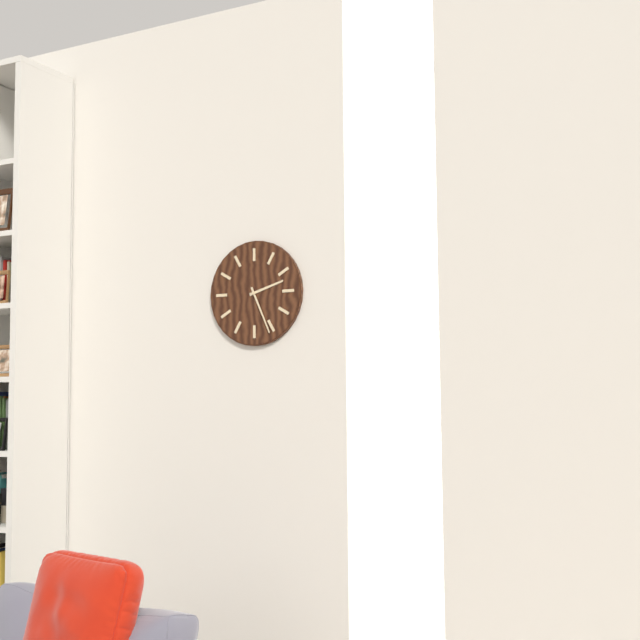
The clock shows 2h26
